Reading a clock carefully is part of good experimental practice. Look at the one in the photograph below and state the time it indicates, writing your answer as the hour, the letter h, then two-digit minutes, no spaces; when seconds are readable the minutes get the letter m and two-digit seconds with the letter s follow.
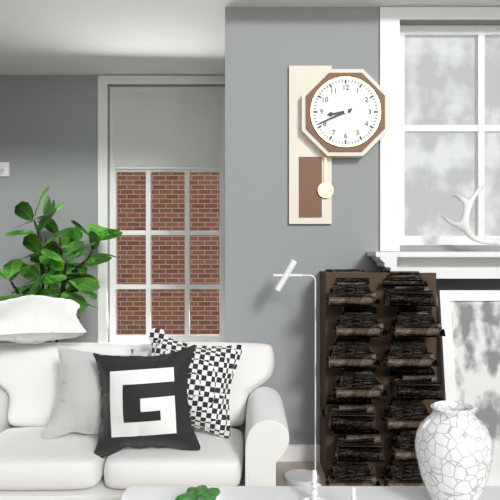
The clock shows 8h41
